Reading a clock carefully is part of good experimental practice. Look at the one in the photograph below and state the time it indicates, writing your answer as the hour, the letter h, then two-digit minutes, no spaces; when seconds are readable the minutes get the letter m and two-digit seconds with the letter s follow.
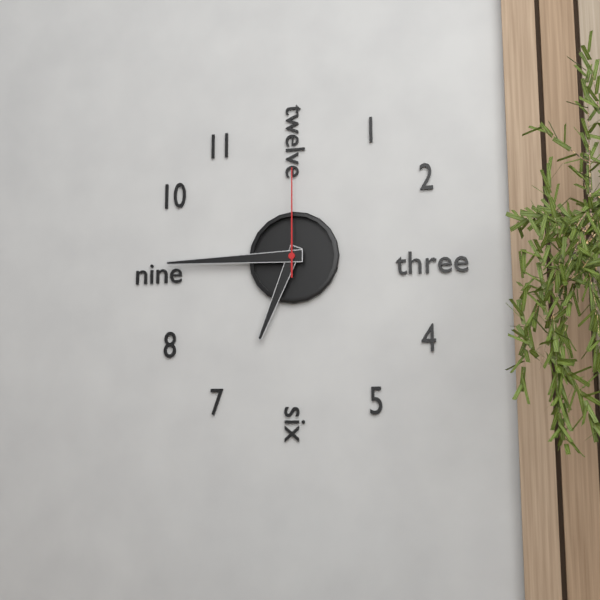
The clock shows 6h45m00s
